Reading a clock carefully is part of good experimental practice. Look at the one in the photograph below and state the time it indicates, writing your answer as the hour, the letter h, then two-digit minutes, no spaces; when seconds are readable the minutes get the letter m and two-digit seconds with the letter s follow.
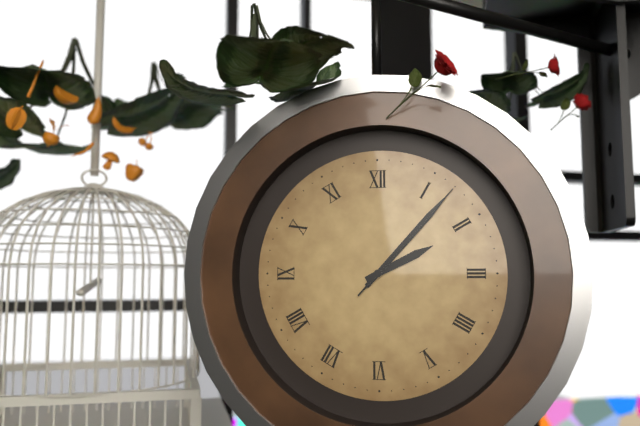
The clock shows 2h07m07s
